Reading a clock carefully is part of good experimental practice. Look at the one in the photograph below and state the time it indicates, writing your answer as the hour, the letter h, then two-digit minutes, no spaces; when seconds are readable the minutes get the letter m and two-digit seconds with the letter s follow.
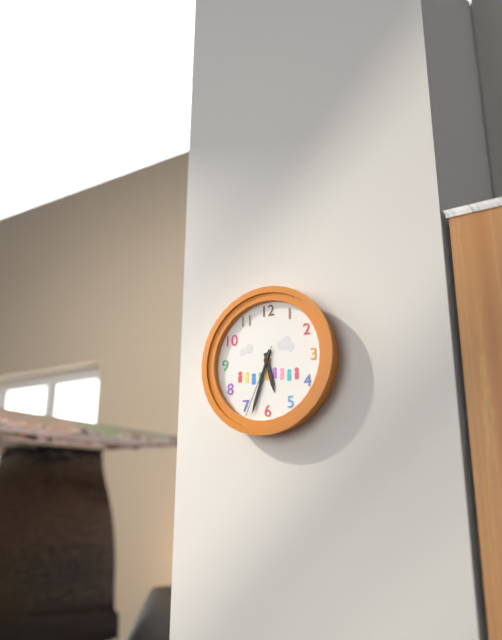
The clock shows 5h33m34s
